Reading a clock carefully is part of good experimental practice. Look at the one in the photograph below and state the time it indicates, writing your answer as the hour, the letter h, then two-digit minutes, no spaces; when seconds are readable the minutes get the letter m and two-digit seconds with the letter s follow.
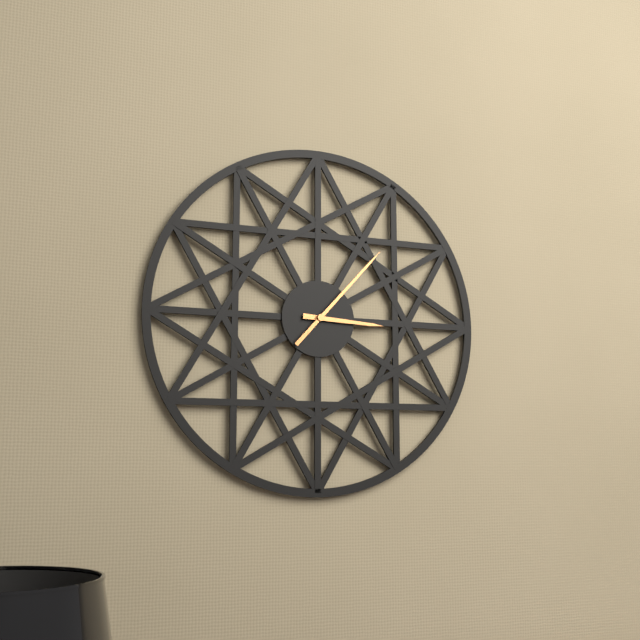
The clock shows 3h07
